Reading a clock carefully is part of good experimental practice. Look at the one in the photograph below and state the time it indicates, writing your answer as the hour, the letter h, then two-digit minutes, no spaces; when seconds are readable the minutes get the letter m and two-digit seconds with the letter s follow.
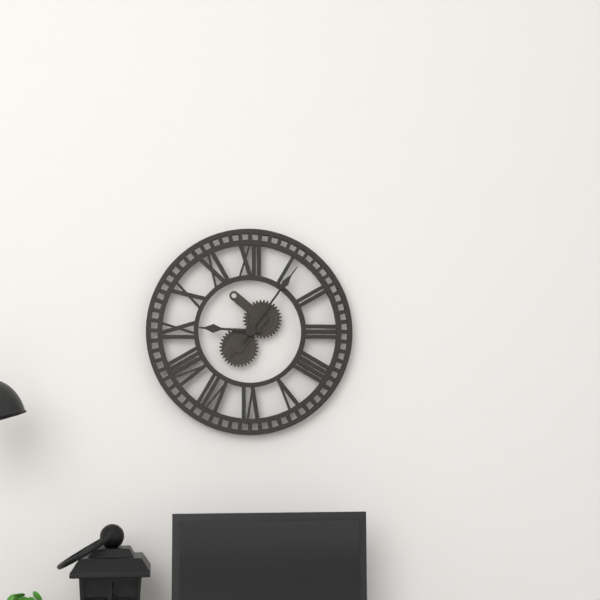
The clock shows 9h06
